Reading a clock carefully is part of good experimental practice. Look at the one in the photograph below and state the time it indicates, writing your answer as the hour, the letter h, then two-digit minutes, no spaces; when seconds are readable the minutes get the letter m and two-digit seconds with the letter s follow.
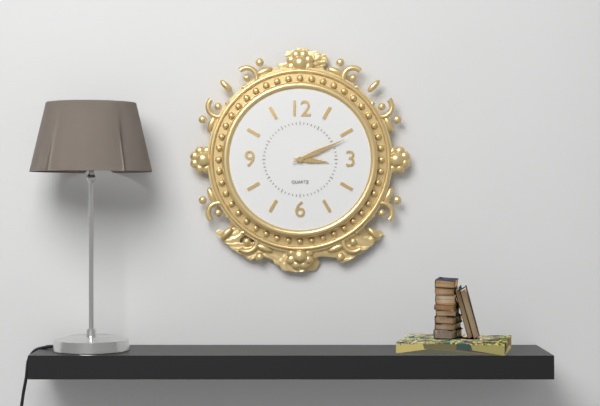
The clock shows 3h11
